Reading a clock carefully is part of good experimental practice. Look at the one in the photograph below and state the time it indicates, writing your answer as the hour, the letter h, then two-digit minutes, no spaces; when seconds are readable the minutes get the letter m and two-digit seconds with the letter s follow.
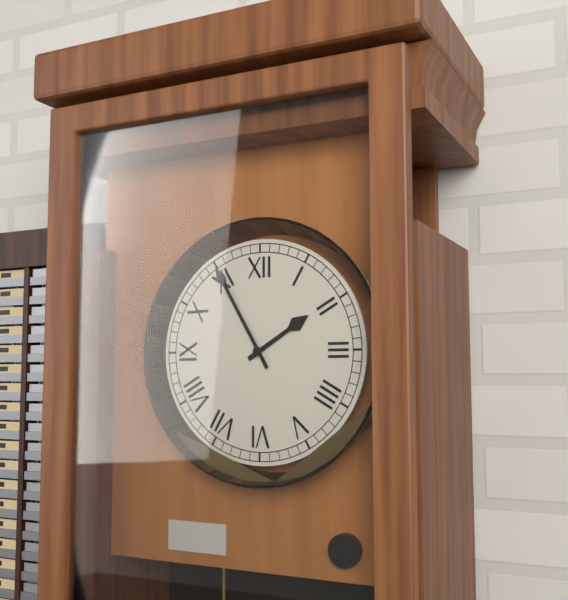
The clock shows 1h55
